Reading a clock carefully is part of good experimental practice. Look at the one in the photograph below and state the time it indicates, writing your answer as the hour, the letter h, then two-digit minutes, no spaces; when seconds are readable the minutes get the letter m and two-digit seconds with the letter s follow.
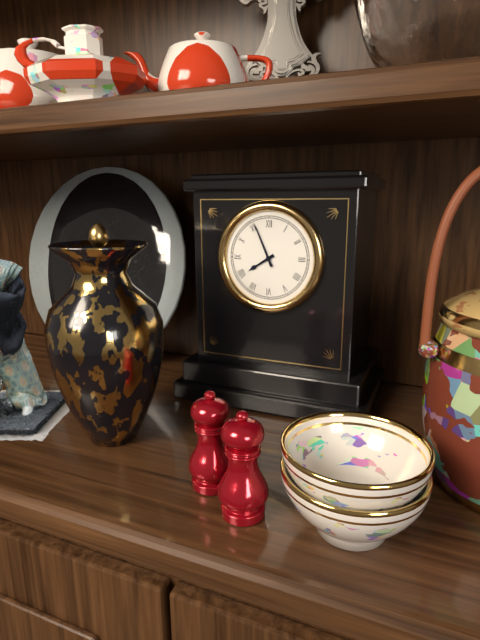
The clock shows 7h56
